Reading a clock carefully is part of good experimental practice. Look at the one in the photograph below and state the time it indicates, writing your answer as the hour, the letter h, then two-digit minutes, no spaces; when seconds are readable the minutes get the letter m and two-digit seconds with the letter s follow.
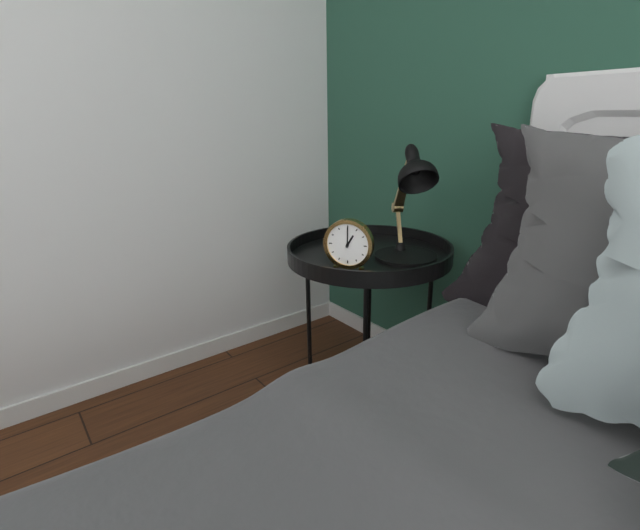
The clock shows 1h00
